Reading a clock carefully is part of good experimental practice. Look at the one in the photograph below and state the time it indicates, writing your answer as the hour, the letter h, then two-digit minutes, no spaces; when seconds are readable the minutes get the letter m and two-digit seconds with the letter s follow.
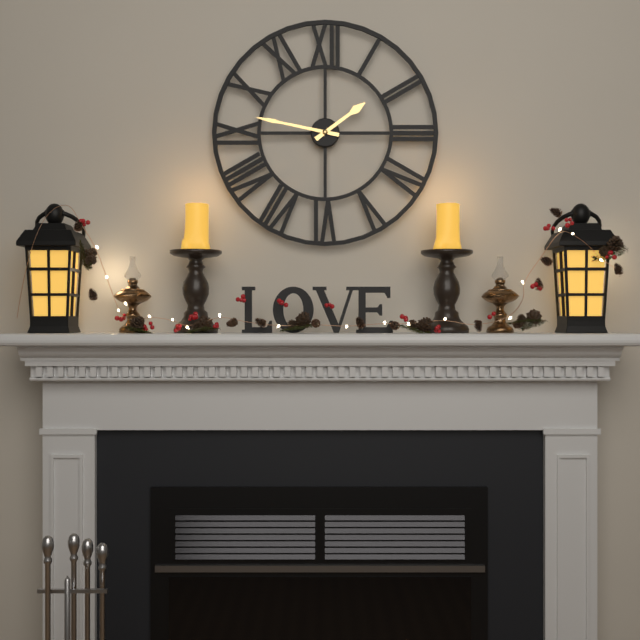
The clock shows 1h47
